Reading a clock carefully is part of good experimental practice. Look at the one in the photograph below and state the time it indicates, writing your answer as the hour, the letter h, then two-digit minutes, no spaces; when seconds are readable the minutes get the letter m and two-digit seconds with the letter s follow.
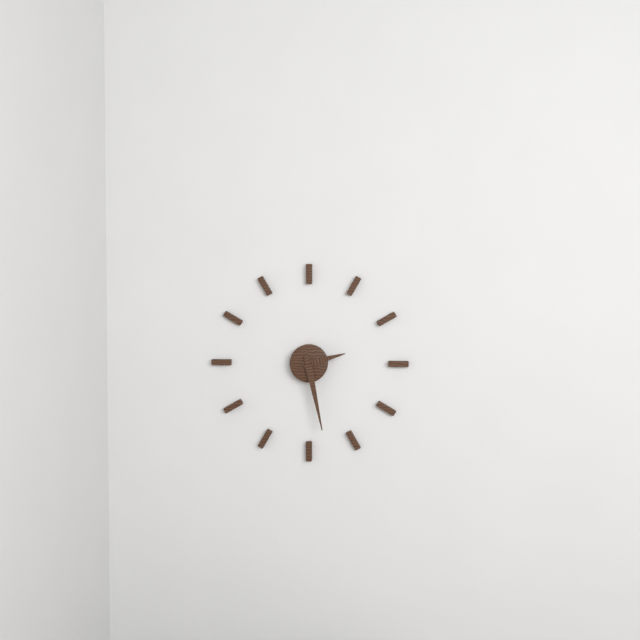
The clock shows 2h28
